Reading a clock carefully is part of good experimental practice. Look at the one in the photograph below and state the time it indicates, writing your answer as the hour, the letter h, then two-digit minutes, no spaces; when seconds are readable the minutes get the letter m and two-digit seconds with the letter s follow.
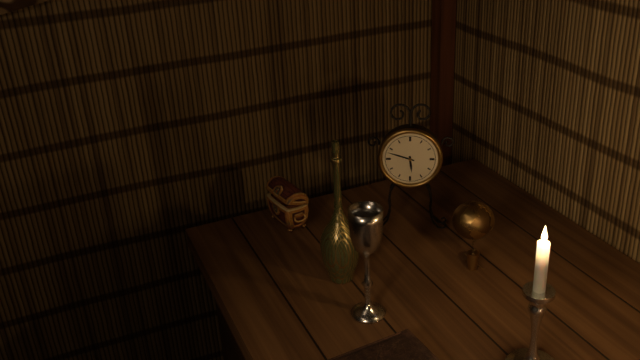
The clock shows 5h48
